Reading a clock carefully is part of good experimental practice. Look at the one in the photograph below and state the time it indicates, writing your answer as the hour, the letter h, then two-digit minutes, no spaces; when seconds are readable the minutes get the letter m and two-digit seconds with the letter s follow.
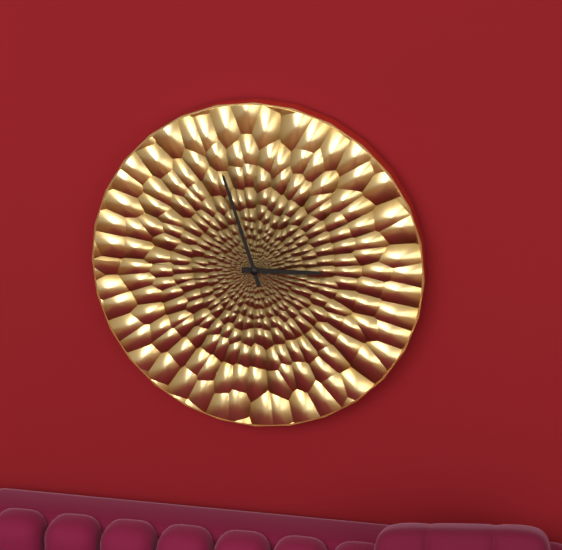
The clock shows 2h57
